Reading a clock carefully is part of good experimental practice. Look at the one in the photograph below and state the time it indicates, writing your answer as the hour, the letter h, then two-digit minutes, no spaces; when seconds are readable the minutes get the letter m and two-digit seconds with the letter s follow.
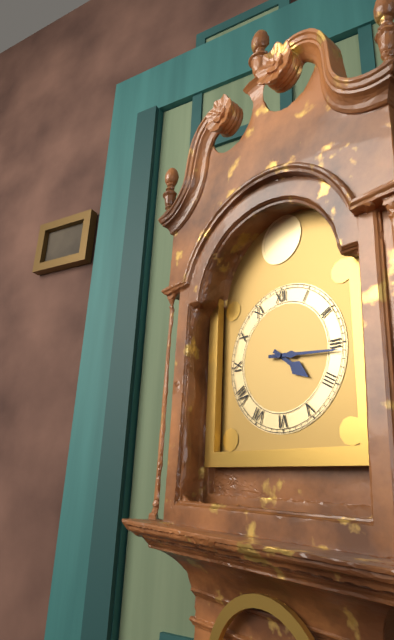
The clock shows 4h16
